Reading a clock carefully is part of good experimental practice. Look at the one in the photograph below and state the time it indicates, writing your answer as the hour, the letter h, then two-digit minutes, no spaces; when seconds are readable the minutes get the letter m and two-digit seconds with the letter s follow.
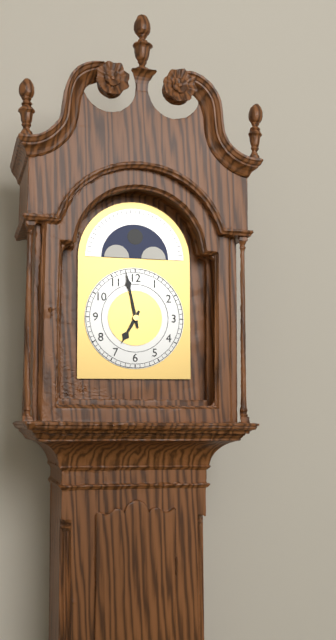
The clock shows 6h58
